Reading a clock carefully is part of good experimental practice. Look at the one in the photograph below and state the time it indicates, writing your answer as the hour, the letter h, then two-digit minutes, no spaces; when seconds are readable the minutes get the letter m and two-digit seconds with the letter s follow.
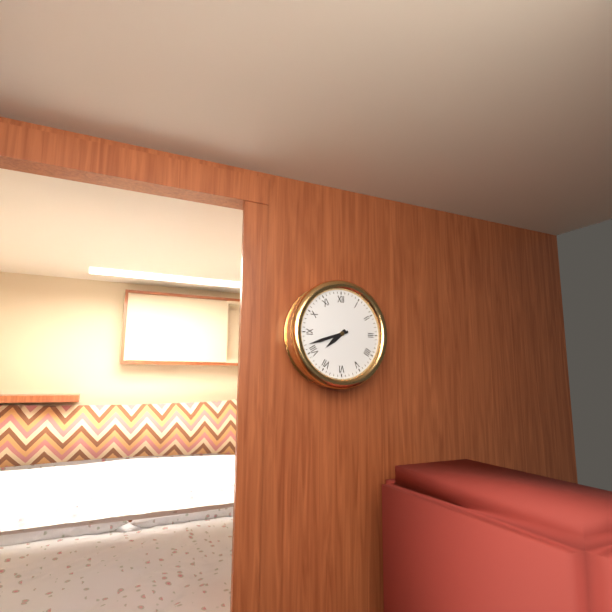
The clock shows 7h42
